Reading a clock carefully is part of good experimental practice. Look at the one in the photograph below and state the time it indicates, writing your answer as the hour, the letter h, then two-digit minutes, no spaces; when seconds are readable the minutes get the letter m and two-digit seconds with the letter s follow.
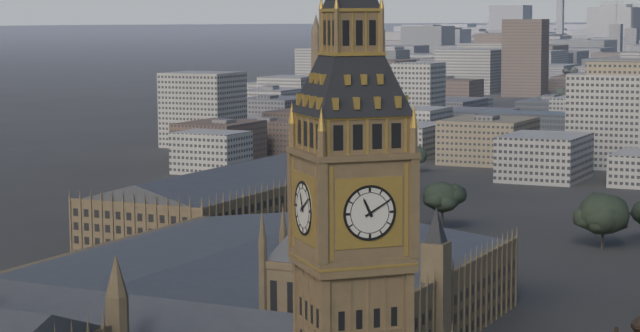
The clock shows 11h10
